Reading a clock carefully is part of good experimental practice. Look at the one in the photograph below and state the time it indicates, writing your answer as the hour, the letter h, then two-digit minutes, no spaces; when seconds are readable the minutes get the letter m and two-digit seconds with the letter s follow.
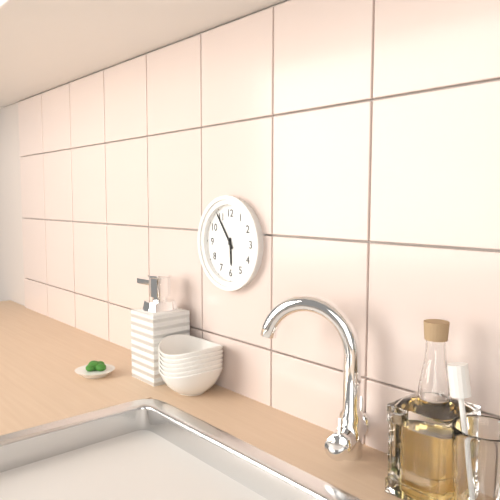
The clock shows 5h54
